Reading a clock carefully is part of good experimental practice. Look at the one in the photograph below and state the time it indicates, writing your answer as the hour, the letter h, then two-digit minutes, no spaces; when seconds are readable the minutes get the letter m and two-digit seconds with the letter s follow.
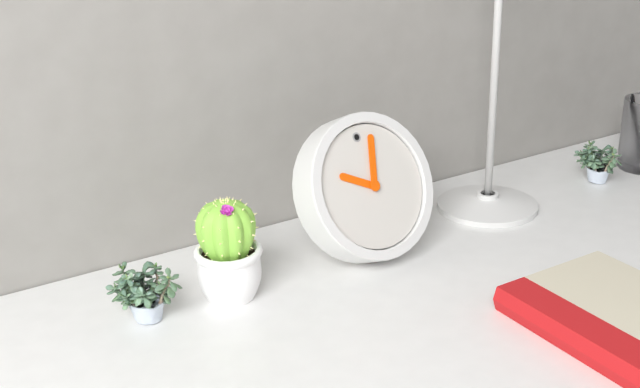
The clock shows 10h03
